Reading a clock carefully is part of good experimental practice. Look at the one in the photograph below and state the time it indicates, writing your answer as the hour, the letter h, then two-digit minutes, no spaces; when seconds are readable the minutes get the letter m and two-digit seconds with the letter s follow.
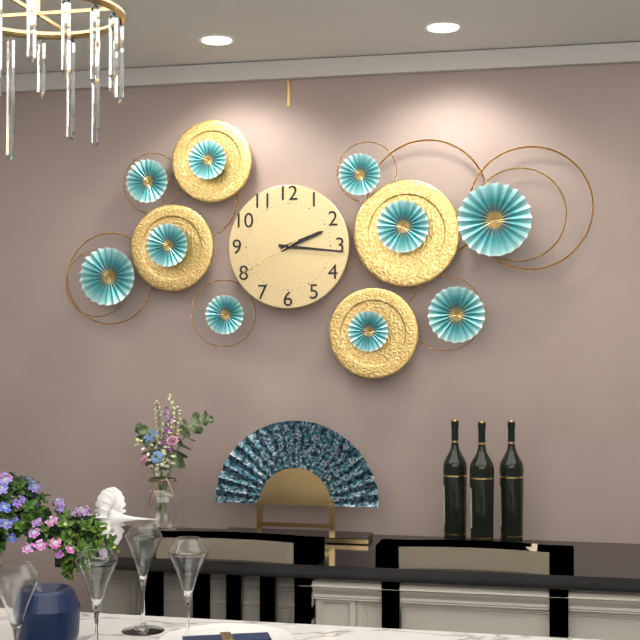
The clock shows 2h16m40s
